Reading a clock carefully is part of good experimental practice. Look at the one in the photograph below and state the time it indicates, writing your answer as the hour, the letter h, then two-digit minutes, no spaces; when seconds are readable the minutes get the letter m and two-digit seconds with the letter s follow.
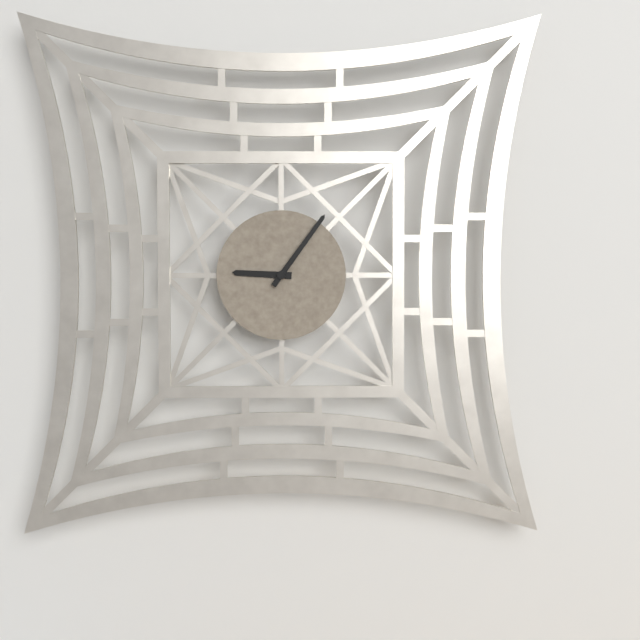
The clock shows 9h06
